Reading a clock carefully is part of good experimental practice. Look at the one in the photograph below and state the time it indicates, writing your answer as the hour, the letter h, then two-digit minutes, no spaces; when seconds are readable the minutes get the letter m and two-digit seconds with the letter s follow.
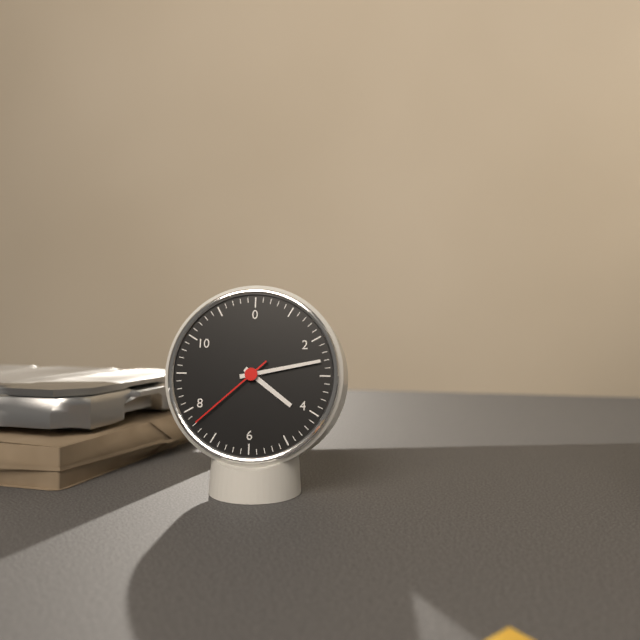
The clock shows 4h13m38s
